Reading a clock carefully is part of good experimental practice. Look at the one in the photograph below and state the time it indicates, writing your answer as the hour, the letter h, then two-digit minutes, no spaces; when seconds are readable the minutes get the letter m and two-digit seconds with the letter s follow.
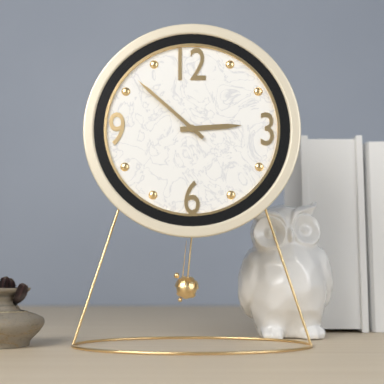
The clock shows 2h52
